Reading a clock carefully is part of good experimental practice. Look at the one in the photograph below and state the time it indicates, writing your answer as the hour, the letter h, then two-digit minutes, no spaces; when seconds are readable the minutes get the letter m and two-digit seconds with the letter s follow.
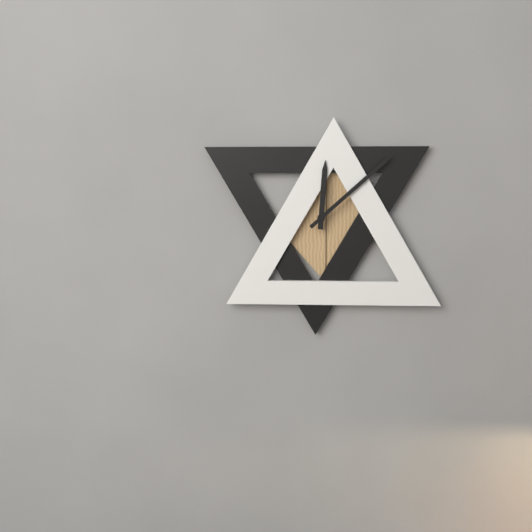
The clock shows 12h08
